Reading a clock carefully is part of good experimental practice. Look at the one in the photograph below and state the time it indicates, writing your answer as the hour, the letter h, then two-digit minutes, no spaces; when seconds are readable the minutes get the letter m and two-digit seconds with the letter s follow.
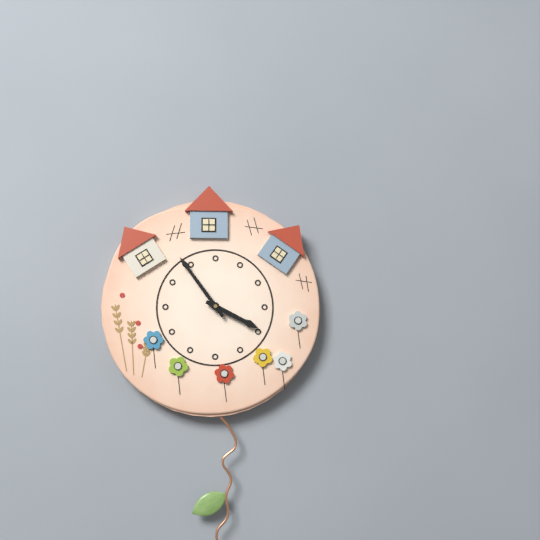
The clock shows 3h54
